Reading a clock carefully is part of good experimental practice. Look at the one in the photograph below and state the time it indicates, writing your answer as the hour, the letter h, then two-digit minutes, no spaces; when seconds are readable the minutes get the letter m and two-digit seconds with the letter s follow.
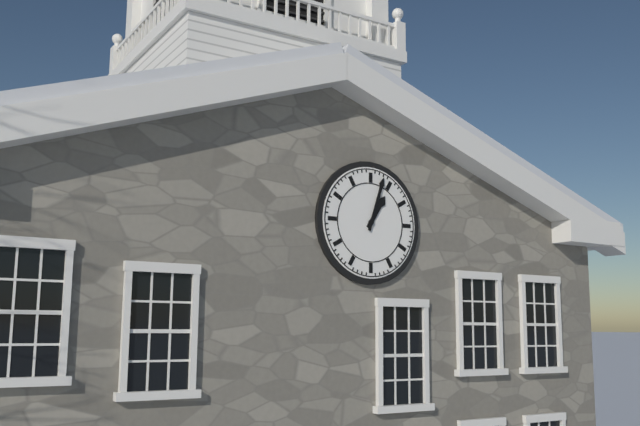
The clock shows 1h03
